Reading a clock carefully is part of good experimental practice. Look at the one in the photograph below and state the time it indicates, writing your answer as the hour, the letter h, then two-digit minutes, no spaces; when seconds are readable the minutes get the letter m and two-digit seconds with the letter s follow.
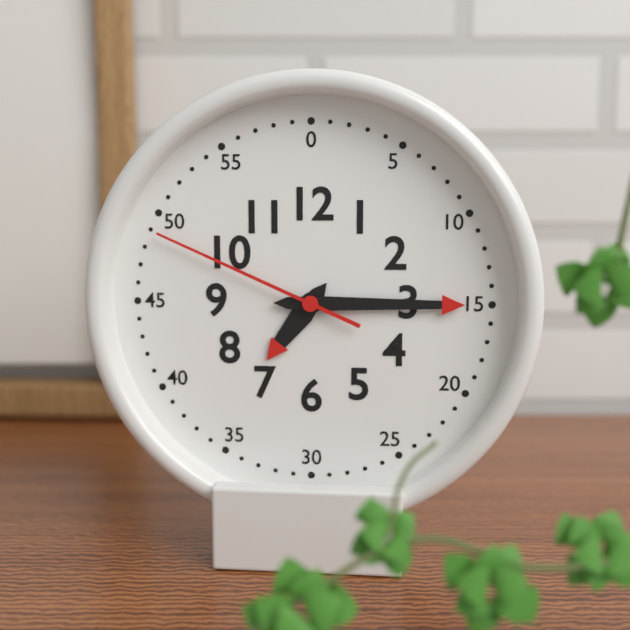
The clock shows 7h15m49s
